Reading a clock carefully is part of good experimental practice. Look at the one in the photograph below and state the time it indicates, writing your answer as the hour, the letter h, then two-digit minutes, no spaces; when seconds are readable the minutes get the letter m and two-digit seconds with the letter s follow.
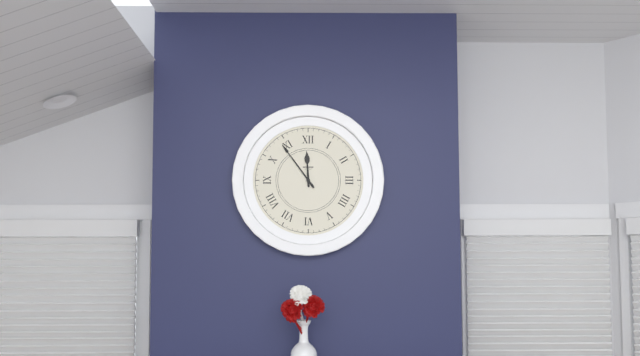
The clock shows 11h54
